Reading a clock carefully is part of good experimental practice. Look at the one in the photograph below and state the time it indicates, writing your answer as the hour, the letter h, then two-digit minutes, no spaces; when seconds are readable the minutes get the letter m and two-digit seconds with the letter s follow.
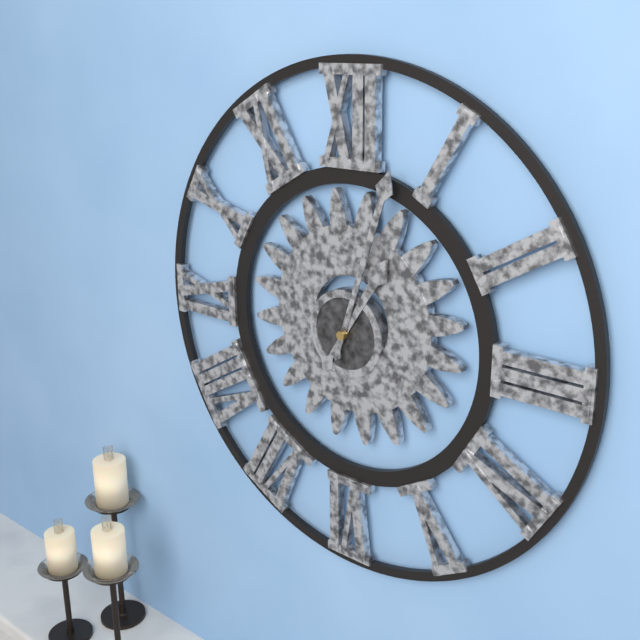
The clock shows 1h03
